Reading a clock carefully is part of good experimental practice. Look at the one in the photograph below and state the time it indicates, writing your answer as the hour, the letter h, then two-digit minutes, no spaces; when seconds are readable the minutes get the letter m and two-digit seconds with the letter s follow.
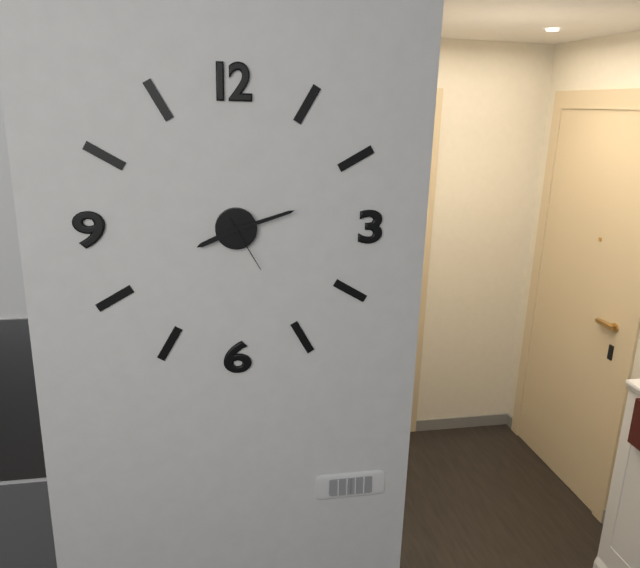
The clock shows 8h12m25s
